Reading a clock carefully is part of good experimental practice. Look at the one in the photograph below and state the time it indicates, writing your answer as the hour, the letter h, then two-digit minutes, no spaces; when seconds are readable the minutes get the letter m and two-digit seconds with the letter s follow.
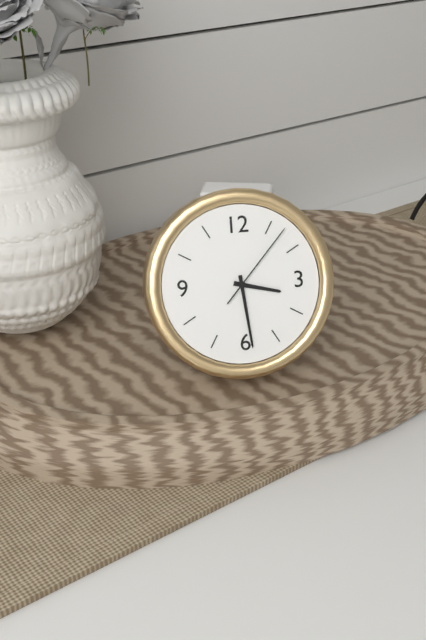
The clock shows 3h29m07s
